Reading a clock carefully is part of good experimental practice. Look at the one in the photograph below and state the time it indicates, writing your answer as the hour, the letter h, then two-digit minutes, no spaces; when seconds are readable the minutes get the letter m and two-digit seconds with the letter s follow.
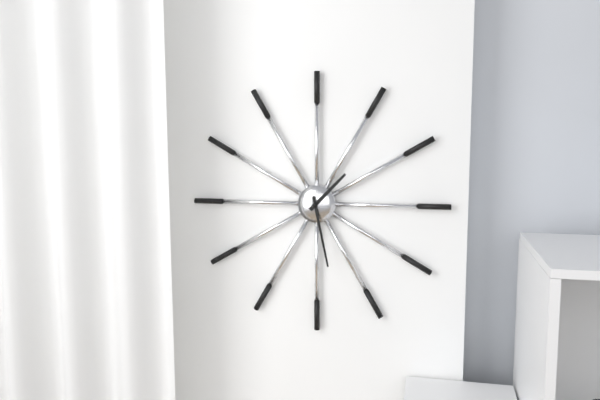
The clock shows 1h28
